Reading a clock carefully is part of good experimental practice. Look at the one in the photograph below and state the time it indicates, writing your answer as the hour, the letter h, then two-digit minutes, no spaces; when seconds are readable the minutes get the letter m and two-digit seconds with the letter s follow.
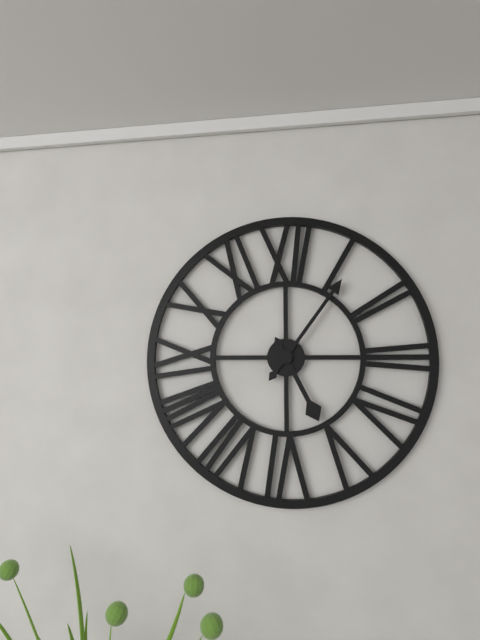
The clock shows 5h06
